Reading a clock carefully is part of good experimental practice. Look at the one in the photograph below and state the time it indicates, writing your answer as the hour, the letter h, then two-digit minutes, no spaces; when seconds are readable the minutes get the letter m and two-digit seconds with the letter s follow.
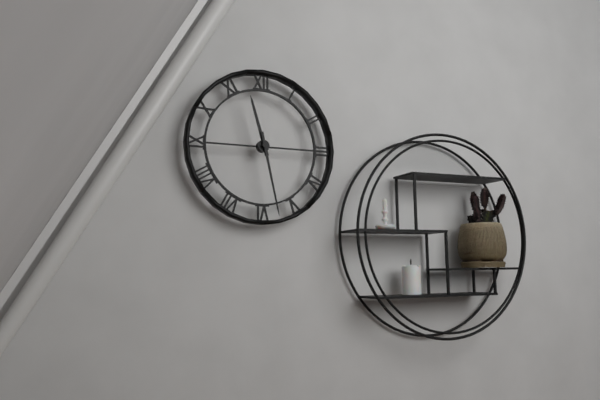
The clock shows 11h28
